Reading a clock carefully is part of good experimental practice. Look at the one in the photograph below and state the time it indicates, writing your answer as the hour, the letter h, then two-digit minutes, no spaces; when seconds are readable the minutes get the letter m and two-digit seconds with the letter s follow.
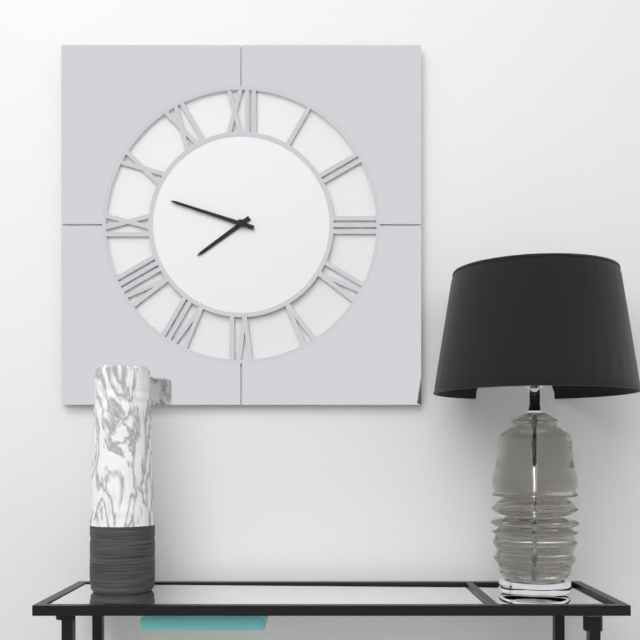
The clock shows 7h48
